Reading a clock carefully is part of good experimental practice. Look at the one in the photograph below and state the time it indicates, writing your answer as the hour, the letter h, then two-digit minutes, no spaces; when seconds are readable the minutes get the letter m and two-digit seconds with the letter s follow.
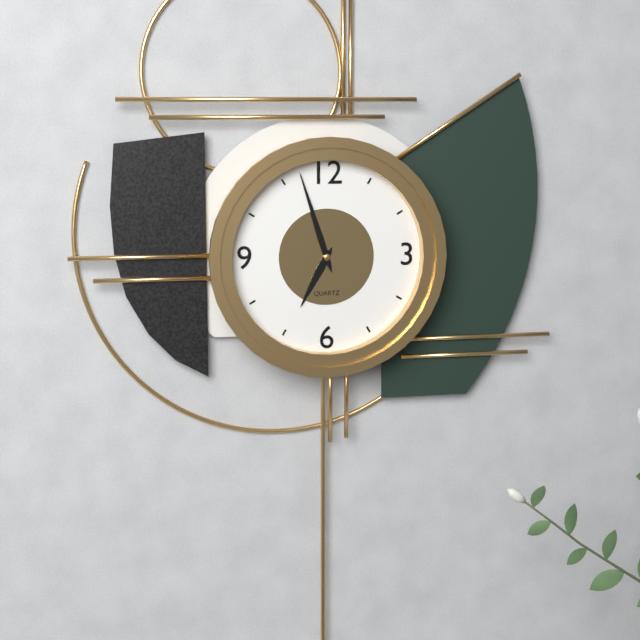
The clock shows 6h57
